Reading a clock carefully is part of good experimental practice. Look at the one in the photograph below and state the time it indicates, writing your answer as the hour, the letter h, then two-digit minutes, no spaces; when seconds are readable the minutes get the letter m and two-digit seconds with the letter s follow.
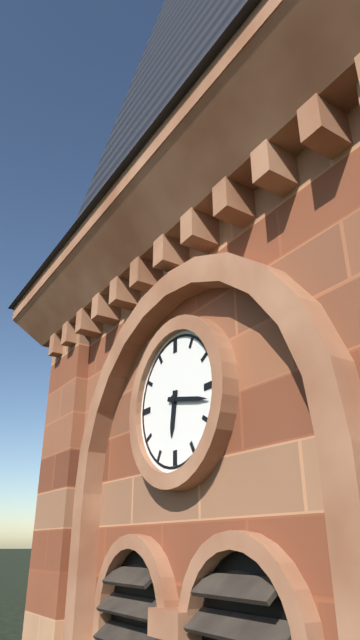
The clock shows 6h17
